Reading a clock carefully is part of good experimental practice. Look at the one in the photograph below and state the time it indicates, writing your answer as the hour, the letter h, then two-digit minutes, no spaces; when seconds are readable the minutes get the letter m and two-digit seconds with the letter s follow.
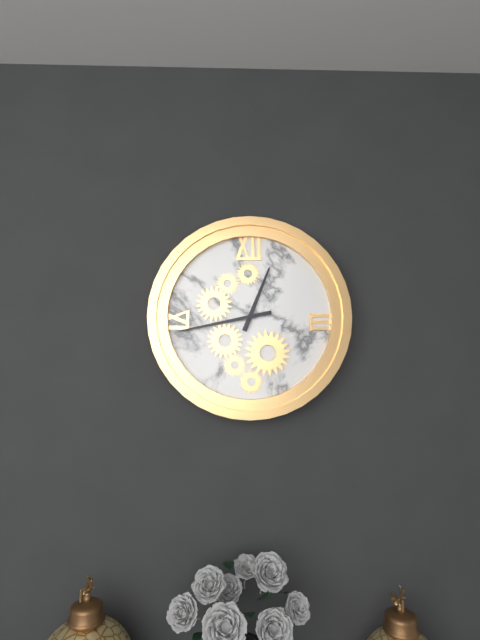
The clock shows 12h43
